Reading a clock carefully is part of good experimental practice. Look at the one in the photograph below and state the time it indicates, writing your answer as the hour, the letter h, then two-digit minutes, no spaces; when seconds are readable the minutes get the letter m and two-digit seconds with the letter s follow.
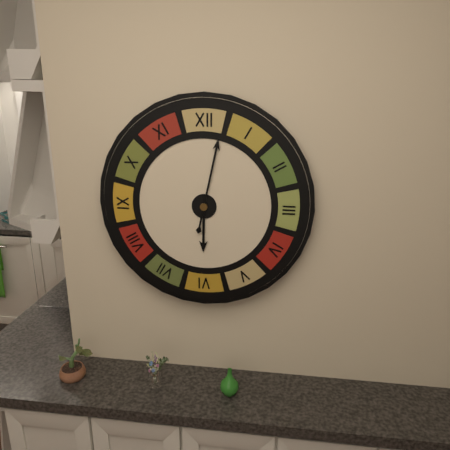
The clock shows 6h02
